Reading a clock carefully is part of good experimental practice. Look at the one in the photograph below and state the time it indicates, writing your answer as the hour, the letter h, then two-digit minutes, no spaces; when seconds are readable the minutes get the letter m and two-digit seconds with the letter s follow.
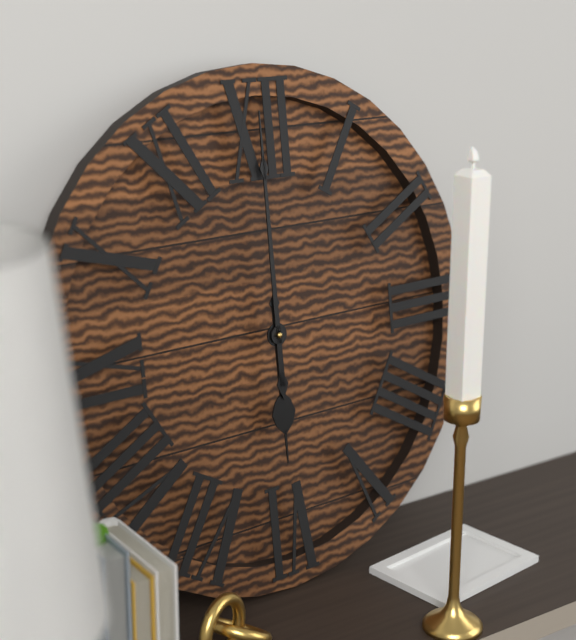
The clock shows 6h00
